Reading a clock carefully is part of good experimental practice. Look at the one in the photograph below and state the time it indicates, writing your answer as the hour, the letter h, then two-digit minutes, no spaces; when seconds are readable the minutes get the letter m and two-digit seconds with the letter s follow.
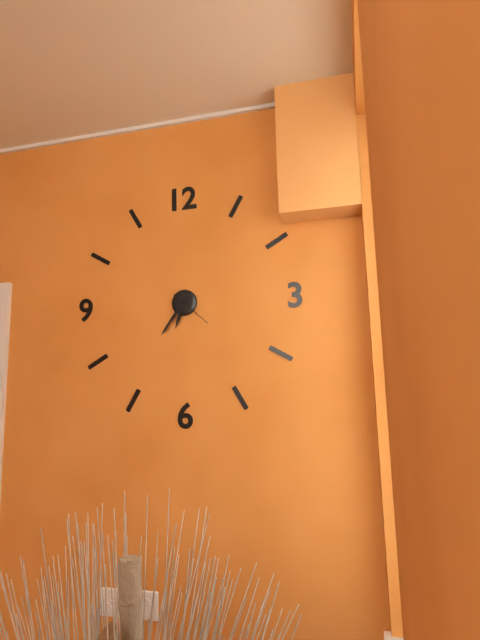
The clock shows 6h36
